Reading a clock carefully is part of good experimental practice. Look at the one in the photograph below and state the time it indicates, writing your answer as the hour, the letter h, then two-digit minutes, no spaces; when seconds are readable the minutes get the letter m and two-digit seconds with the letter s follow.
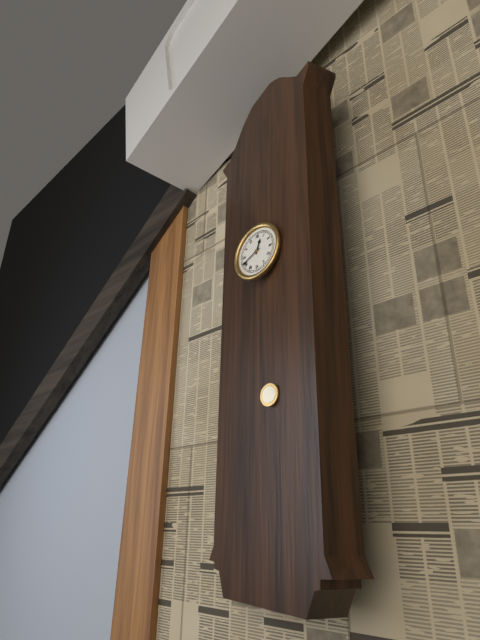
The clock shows 12h41
